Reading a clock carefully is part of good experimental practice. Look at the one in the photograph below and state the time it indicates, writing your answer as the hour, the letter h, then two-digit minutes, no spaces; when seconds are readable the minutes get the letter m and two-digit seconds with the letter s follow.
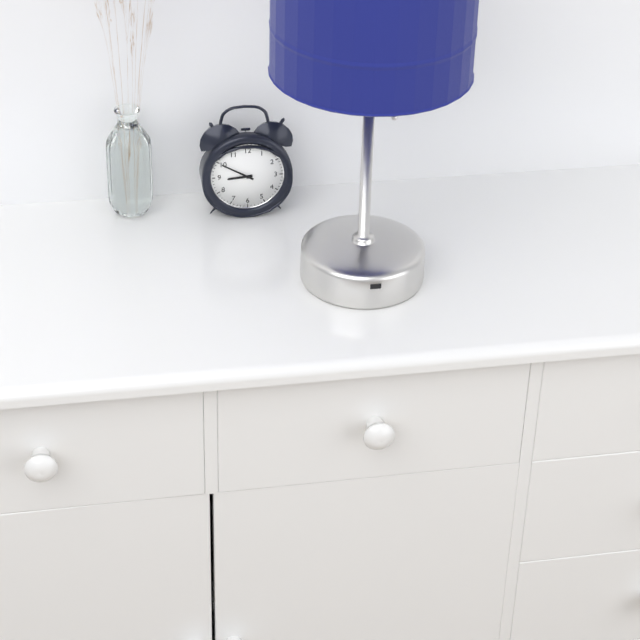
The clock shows 8h50
